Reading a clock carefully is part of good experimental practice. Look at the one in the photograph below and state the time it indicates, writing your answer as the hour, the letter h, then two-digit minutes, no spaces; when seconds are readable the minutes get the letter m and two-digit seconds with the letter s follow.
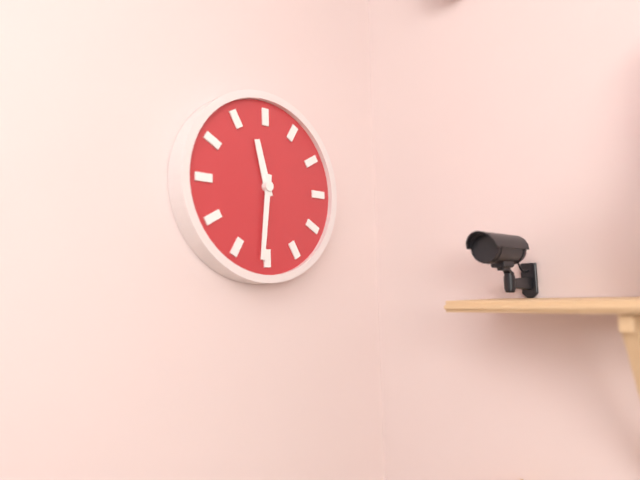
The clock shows 11h31
